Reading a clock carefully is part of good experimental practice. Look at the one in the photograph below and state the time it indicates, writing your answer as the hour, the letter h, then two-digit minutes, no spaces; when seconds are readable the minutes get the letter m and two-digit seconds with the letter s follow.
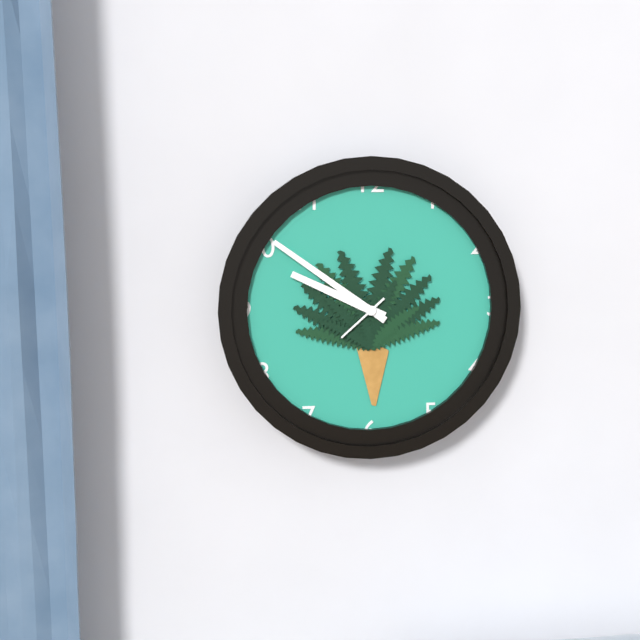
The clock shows 9h51m38s
